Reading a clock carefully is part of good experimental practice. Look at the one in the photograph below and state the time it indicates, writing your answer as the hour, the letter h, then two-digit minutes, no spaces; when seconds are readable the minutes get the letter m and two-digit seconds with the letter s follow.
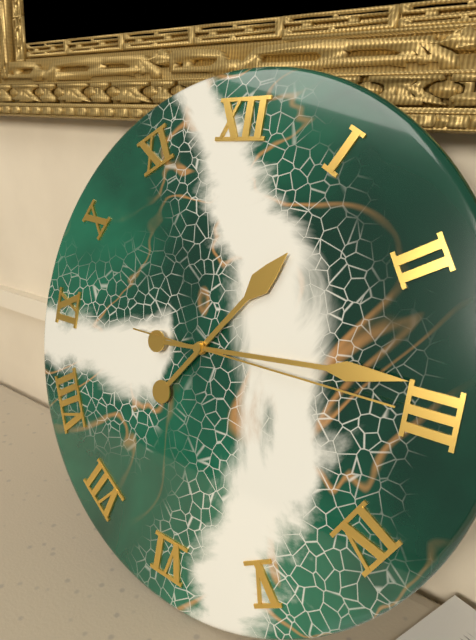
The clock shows 1h14m15s
